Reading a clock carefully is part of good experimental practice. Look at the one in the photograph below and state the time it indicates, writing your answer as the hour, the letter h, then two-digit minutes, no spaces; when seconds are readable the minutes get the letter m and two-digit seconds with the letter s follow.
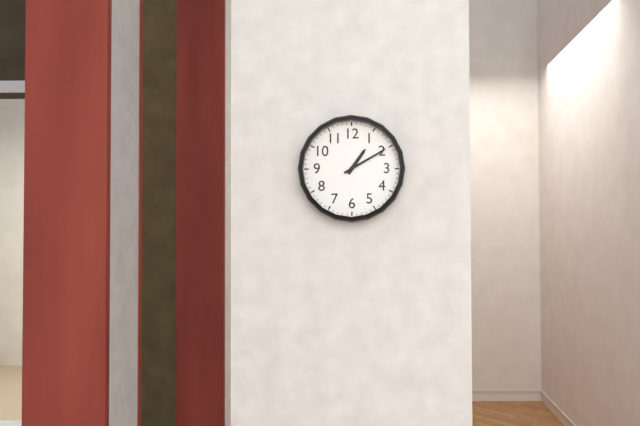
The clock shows 1h10
